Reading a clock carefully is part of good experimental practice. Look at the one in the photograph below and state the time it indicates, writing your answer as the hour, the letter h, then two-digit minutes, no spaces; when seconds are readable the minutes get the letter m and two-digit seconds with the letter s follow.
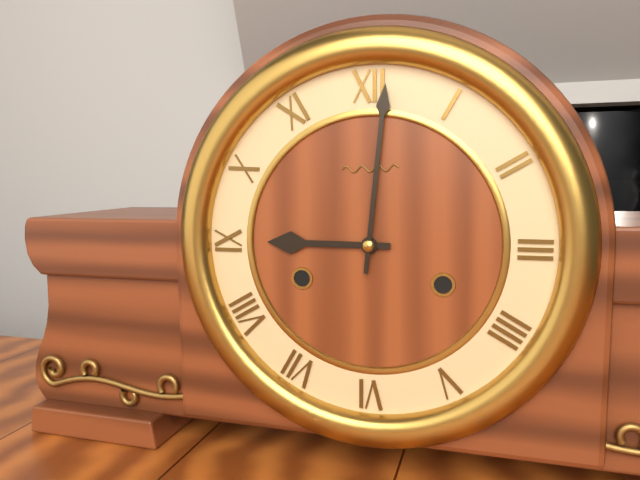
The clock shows 9h01
